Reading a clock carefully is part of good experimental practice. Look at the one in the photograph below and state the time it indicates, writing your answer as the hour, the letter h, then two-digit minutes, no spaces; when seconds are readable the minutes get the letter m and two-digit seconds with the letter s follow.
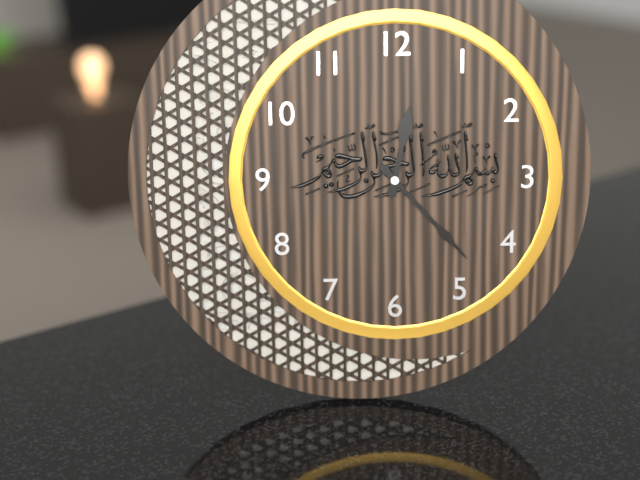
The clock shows 12h23
